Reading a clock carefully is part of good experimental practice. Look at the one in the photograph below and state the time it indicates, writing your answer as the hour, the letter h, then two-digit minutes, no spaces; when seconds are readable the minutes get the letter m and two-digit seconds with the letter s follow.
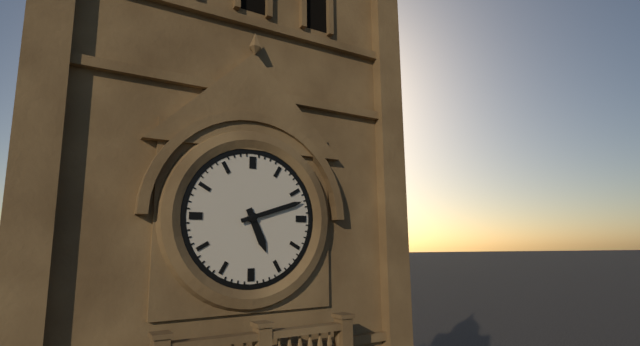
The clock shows 5h12
